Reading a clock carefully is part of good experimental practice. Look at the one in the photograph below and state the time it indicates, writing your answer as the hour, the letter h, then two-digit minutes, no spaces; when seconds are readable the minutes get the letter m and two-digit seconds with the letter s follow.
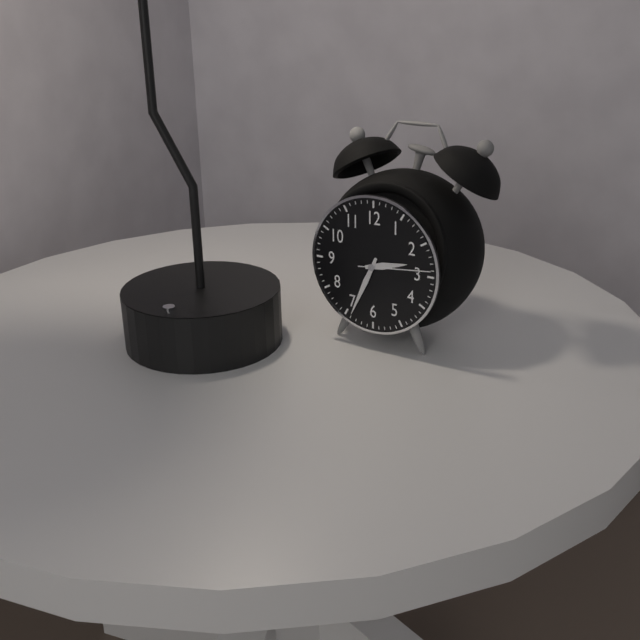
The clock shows 2h34m14s
